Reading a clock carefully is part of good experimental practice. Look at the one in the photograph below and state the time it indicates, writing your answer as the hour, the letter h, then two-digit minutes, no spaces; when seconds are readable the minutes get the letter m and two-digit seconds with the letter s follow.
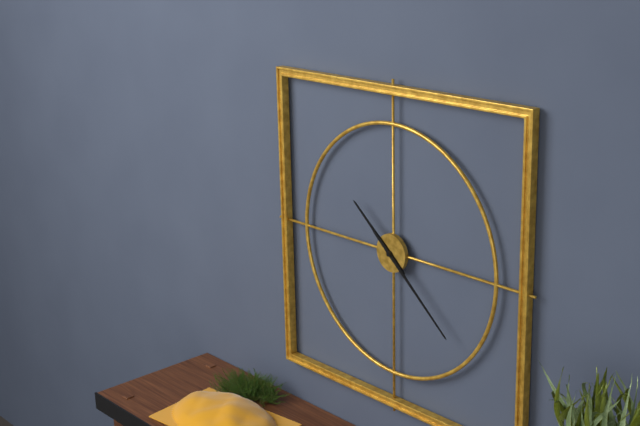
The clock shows 10h22
